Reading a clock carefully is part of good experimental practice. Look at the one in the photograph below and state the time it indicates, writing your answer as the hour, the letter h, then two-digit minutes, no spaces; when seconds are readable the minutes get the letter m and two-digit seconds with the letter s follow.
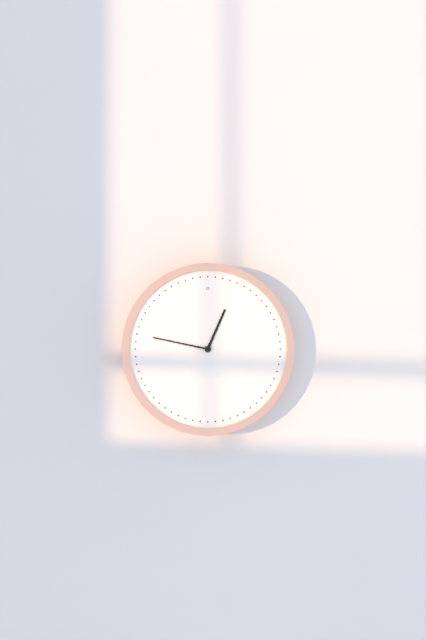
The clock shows 12h47
